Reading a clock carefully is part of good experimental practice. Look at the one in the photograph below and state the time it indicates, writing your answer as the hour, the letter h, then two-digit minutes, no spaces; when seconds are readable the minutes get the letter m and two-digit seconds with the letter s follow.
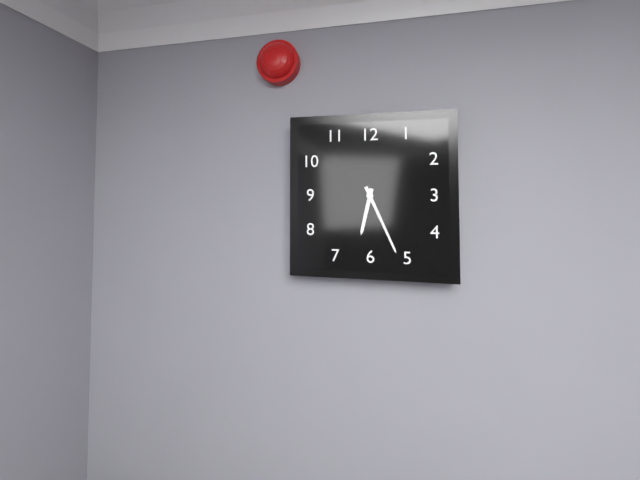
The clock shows 6h26
